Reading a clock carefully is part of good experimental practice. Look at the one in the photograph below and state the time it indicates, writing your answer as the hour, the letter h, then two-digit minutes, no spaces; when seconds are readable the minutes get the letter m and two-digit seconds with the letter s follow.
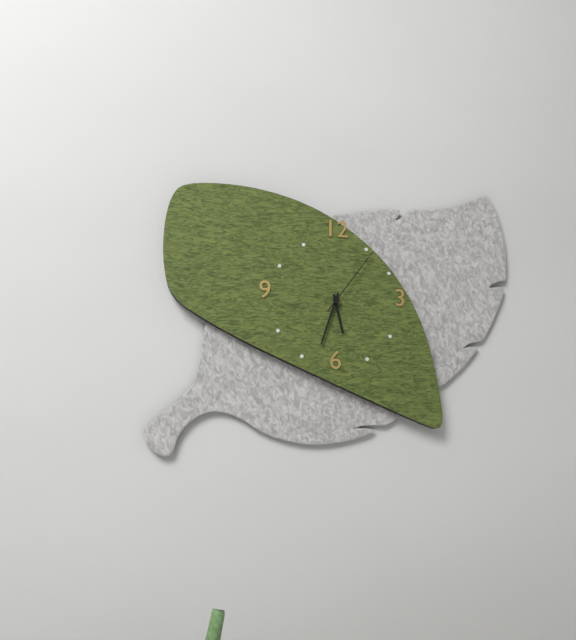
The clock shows 5h33m06s
